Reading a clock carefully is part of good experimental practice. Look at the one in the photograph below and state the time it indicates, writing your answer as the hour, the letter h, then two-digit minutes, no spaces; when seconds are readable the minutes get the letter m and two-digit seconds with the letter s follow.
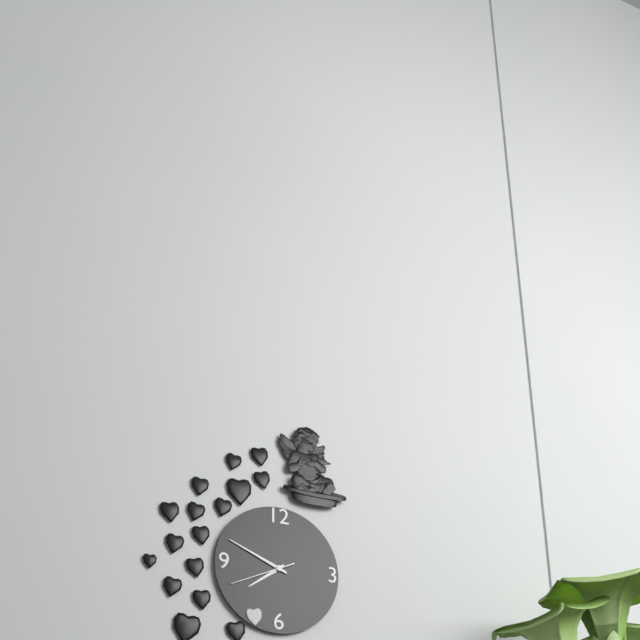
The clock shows 7h49m41s
